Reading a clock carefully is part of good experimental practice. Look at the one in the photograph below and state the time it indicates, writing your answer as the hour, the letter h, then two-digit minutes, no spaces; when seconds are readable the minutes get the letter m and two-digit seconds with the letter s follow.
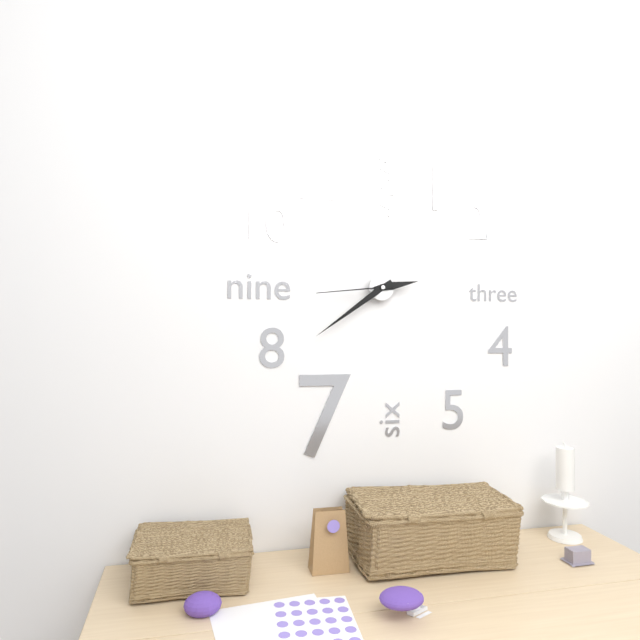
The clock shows 2h39m44s
